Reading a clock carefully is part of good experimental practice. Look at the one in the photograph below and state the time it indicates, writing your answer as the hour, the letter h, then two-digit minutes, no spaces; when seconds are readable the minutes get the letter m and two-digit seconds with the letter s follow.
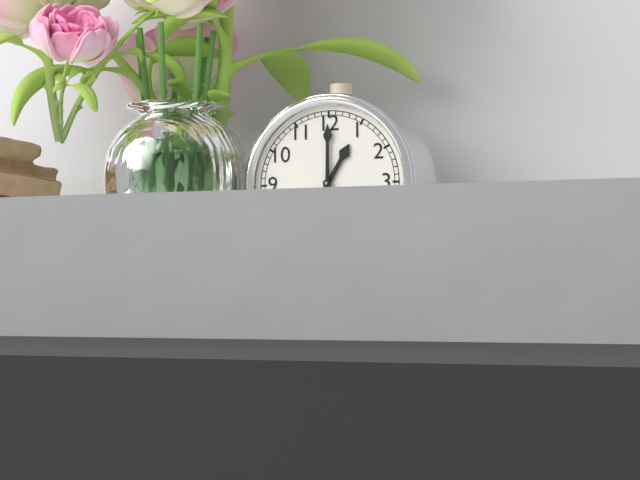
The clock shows 1h00
